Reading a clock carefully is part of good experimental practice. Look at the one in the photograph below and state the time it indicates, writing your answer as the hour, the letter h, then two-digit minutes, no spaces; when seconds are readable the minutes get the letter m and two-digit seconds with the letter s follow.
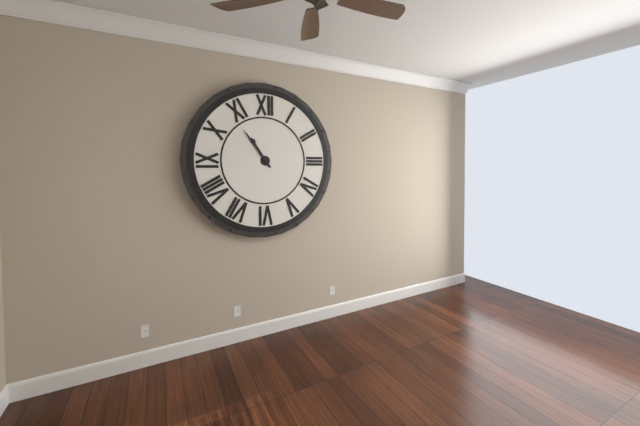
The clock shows 10h54
